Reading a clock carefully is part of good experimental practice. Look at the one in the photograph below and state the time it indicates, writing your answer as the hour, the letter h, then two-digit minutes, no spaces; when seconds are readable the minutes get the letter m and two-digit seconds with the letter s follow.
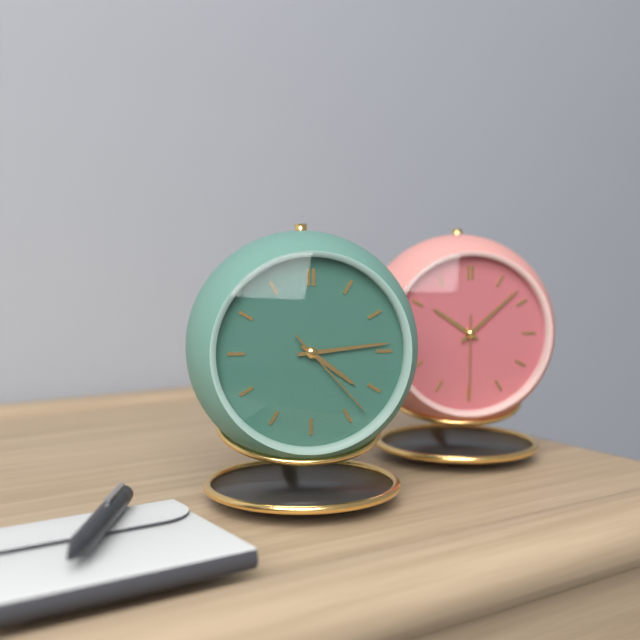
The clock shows 4h14m23s
